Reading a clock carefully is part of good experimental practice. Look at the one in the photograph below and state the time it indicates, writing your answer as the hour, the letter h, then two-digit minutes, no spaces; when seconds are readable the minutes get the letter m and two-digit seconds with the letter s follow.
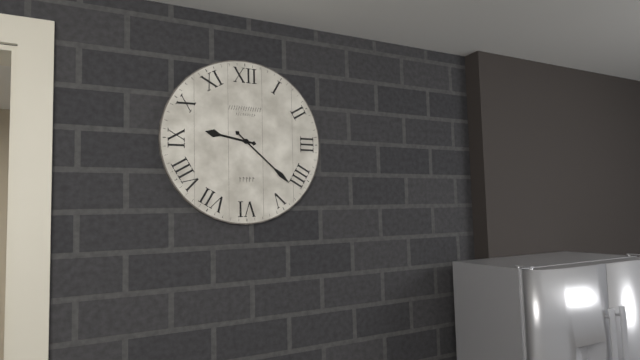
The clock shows 9h22
